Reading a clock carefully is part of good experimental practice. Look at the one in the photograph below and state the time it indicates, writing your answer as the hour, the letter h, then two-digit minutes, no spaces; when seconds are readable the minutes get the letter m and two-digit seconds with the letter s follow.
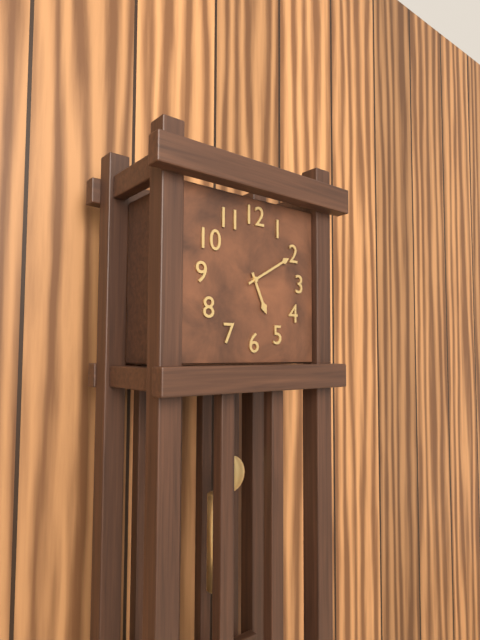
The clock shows 5h10
